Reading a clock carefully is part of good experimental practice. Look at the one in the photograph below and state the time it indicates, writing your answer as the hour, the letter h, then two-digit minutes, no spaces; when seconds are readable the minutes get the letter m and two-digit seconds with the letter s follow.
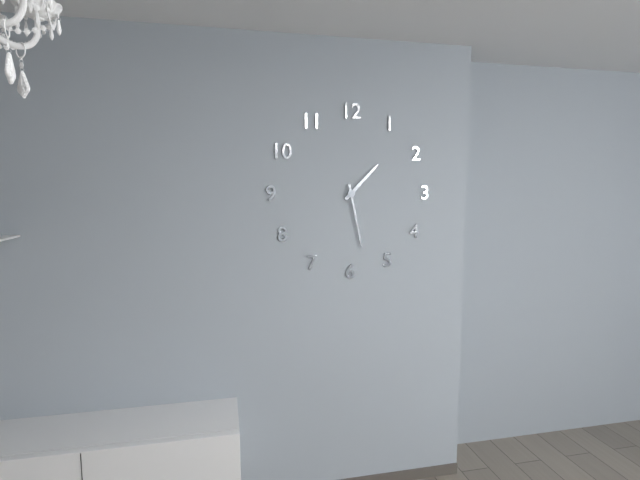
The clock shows 1h28
